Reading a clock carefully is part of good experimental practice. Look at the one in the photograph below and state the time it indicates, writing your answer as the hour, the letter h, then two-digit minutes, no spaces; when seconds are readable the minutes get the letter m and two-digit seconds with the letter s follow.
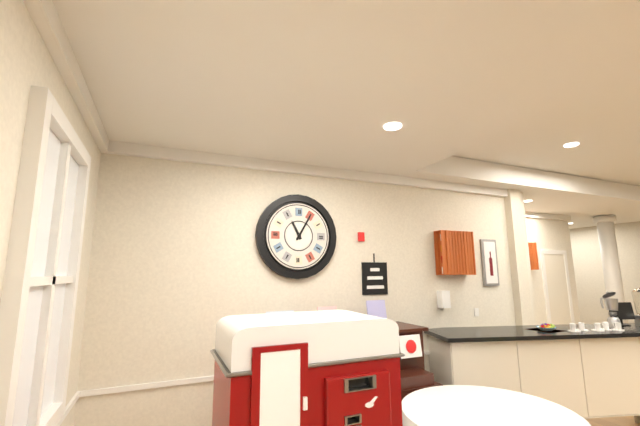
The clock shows 11h05
